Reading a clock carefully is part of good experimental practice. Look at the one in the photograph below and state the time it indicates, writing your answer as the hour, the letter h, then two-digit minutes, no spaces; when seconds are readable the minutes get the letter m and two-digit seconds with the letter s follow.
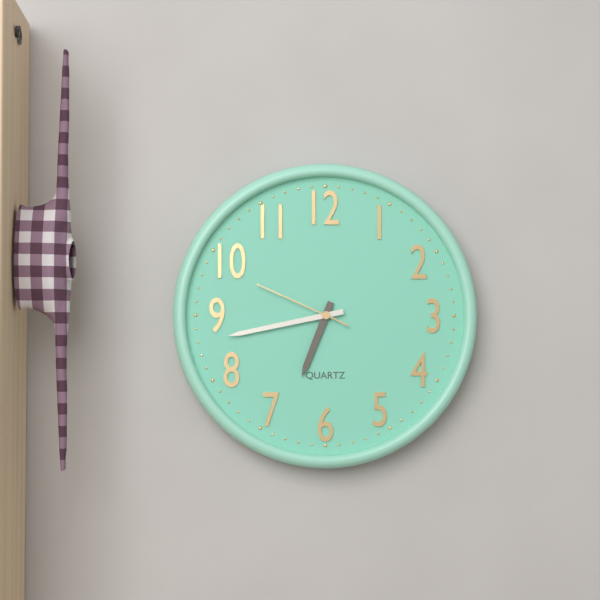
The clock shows 6h43m49s
